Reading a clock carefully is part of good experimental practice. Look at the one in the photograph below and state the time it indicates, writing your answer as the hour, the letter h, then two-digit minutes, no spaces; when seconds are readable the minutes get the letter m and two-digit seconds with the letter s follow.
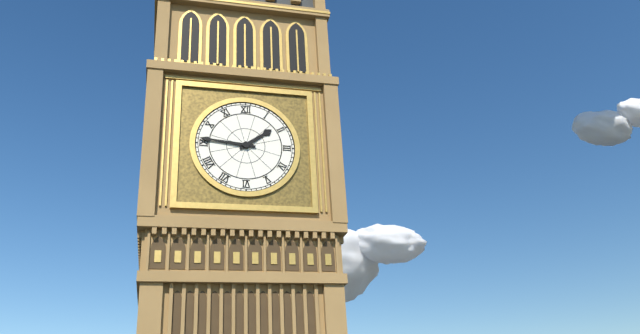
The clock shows 1h46
